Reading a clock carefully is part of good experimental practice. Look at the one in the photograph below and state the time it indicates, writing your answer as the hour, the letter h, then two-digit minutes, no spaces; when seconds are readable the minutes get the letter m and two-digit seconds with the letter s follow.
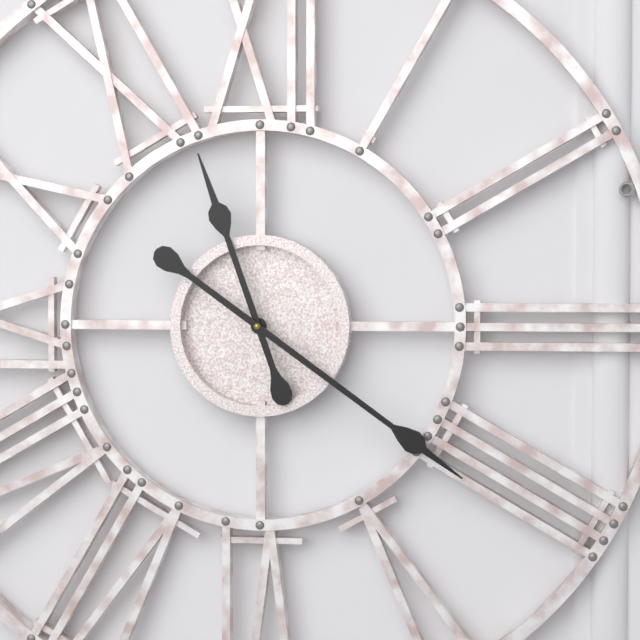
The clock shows 11h21
